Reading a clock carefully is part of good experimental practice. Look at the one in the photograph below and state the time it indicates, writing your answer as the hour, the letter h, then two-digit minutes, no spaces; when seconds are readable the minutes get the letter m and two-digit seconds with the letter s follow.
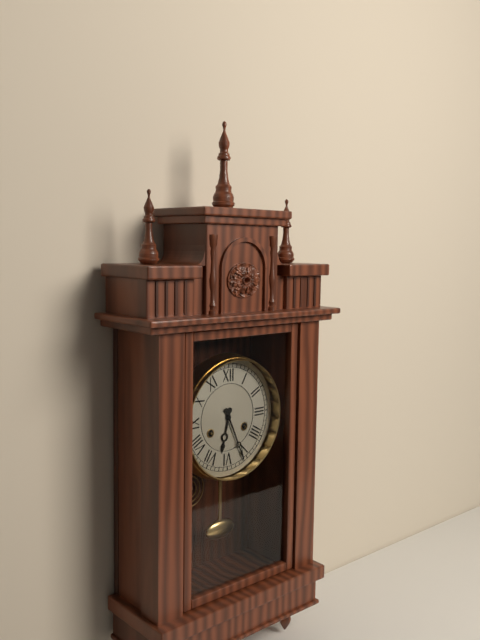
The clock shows 6h26
